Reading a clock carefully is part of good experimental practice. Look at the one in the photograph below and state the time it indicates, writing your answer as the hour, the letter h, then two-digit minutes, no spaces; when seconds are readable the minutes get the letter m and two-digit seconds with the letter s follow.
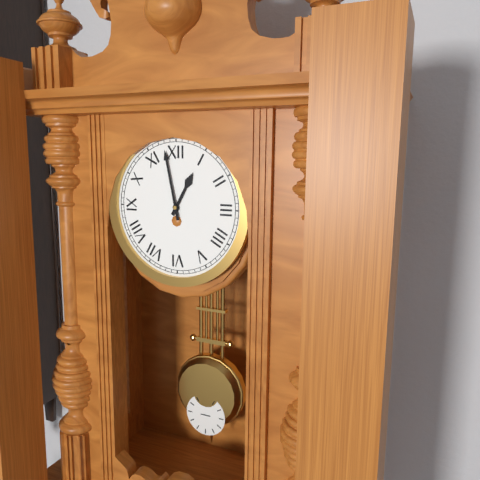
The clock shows 12h58
